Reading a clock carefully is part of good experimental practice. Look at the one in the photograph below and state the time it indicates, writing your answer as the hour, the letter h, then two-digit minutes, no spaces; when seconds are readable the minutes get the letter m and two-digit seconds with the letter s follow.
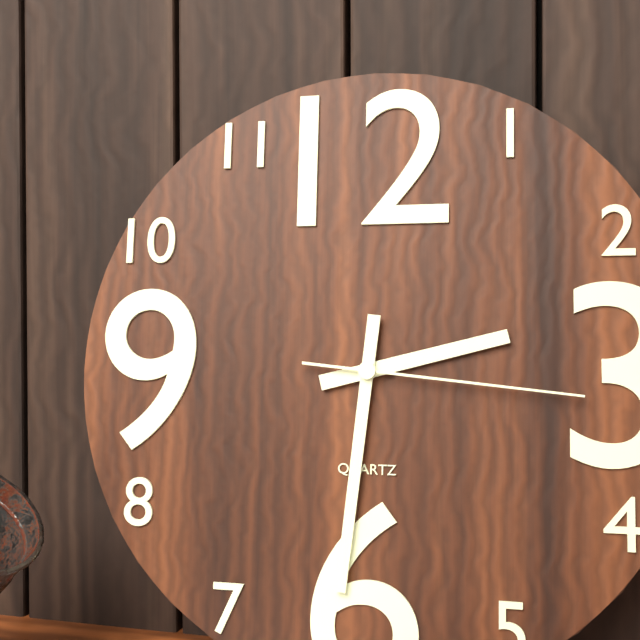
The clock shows 2h31m16s
